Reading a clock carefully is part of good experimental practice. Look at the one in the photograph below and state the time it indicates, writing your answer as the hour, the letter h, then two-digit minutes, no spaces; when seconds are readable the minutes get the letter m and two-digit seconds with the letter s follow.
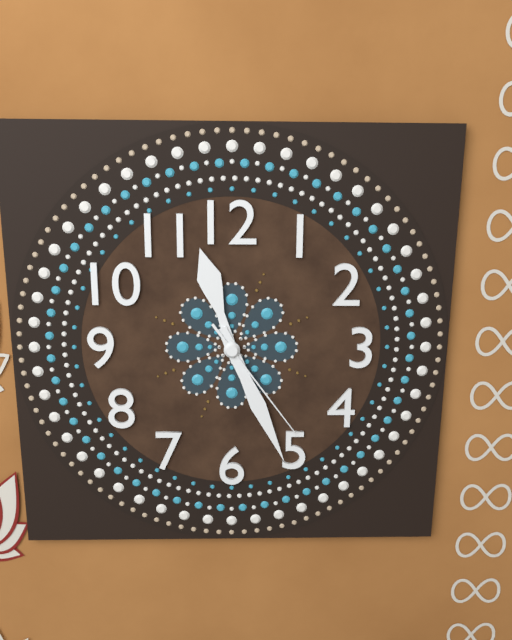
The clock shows 11h26m24s
